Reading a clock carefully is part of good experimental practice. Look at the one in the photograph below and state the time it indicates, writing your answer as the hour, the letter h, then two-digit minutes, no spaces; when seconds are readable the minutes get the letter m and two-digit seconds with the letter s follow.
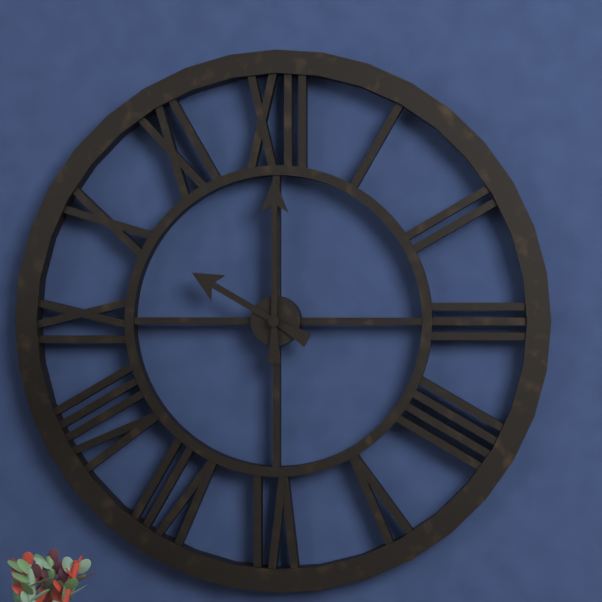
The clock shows 10h00
